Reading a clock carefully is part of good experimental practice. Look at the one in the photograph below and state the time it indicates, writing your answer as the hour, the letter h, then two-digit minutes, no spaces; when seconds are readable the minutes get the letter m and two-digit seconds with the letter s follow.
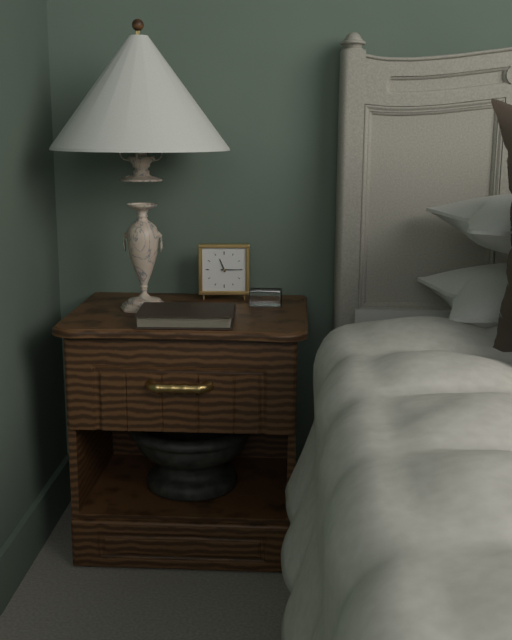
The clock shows 11h15
